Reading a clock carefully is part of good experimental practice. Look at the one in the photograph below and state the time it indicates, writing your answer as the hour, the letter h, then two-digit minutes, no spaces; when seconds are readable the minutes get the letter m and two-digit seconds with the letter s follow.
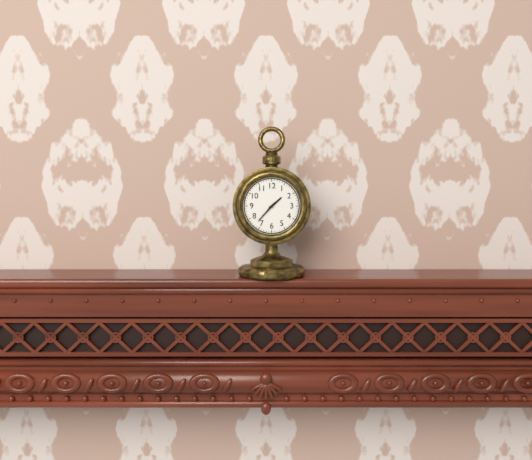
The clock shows 1h37
